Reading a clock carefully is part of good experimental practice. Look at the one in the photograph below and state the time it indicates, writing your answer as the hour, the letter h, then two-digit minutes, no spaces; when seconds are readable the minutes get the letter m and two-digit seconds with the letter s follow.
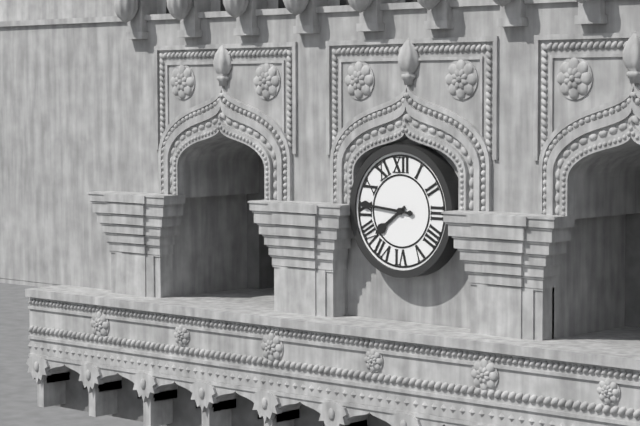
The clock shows 7h46
